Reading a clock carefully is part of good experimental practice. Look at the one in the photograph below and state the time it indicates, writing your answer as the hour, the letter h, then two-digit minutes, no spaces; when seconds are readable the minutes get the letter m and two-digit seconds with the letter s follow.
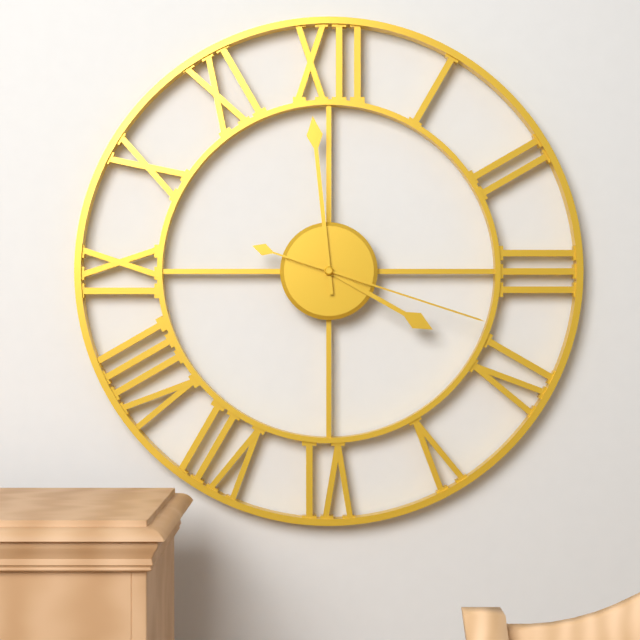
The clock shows 3h59m18s
